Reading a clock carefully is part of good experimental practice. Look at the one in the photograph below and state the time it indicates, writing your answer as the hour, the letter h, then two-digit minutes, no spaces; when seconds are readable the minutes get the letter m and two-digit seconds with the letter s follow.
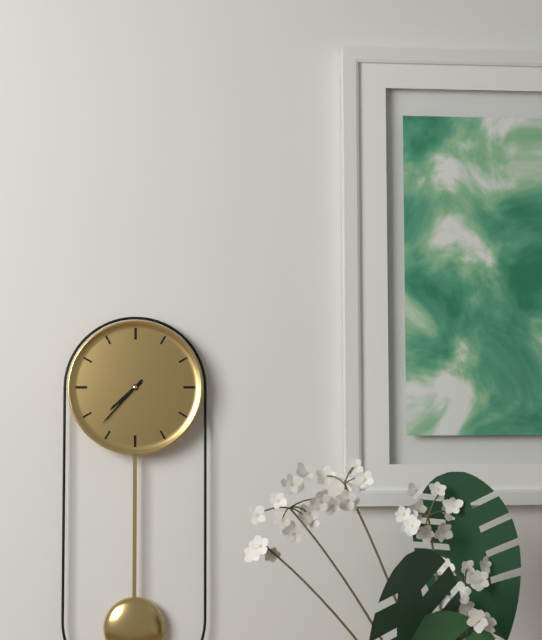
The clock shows 7h37
